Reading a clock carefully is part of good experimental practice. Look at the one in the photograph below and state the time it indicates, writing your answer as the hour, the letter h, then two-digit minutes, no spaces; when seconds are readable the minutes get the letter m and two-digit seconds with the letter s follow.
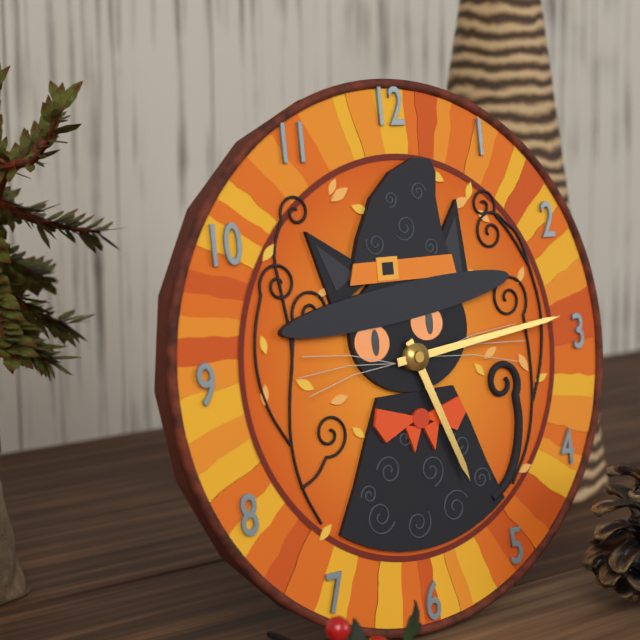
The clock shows 5h14
